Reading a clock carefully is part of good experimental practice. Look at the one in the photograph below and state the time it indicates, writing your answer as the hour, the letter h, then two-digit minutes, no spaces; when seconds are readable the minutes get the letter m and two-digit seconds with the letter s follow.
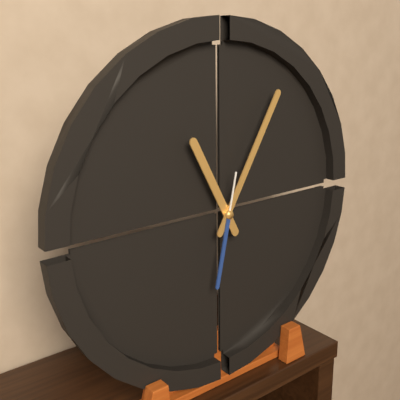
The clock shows 11h05m32s
